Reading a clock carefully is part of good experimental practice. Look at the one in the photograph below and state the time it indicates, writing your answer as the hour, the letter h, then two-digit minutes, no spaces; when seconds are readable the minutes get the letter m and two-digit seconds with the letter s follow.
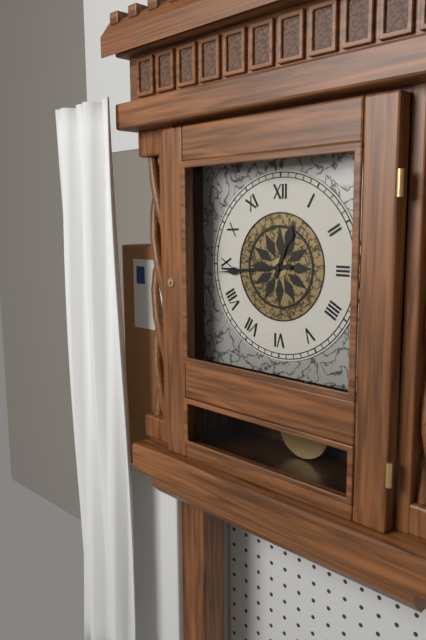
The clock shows 12h44
